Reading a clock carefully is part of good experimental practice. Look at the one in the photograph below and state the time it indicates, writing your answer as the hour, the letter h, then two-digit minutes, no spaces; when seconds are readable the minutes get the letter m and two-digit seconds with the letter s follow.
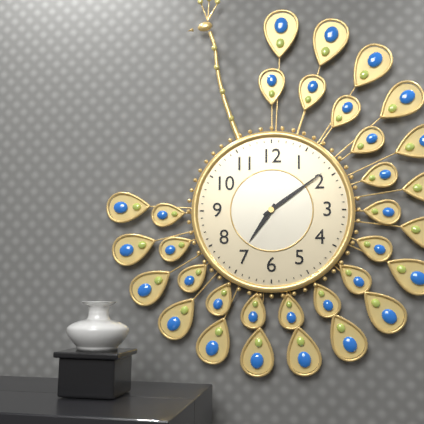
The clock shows 7h09
